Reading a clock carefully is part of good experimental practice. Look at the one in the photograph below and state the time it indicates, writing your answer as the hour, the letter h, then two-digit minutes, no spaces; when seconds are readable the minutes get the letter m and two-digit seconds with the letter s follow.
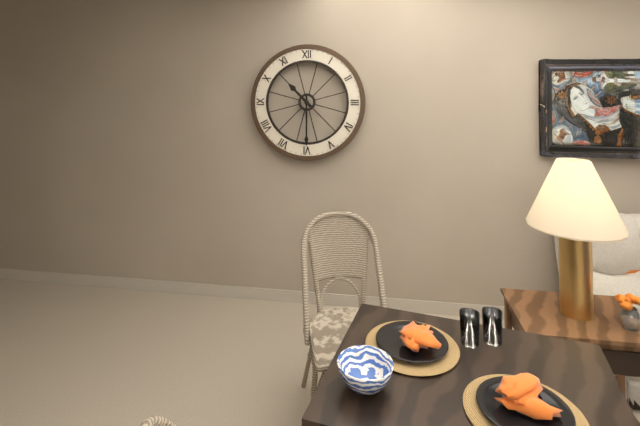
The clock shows 10h30
